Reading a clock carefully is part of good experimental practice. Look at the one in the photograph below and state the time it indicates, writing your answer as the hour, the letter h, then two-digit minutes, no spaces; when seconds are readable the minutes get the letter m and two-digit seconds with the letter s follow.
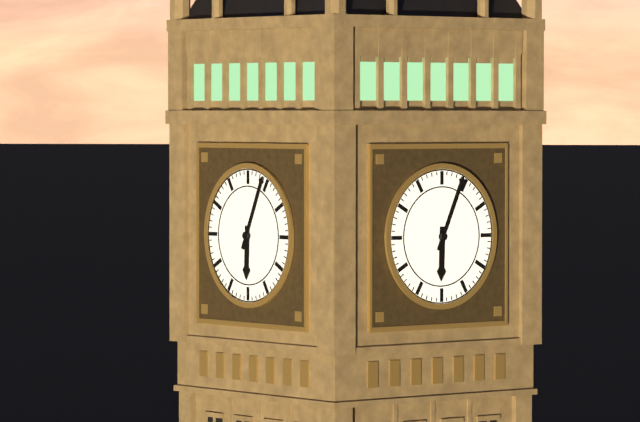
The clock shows 6h04
